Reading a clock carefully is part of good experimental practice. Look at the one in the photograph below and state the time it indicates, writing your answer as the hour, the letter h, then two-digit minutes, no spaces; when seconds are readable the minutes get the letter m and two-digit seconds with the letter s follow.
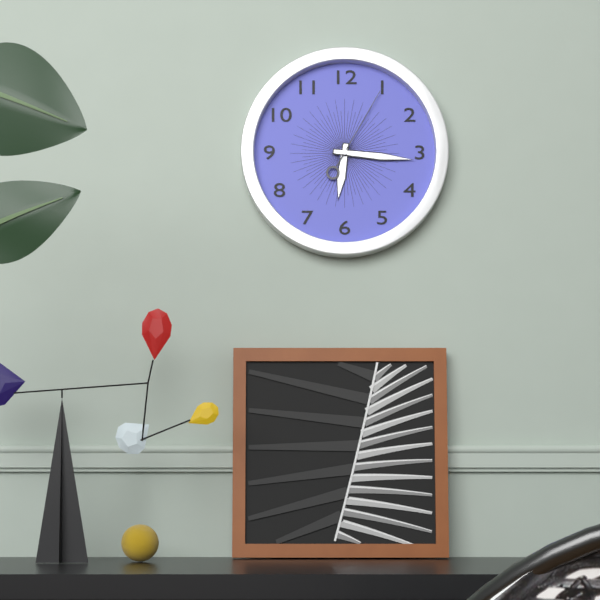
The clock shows 6h16m05s
